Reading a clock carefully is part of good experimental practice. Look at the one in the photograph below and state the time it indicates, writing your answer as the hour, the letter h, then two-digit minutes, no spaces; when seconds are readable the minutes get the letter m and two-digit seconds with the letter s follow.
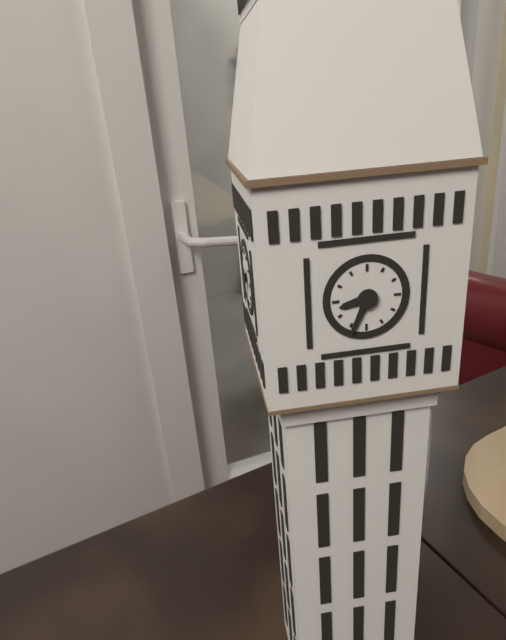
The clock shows 8h34
